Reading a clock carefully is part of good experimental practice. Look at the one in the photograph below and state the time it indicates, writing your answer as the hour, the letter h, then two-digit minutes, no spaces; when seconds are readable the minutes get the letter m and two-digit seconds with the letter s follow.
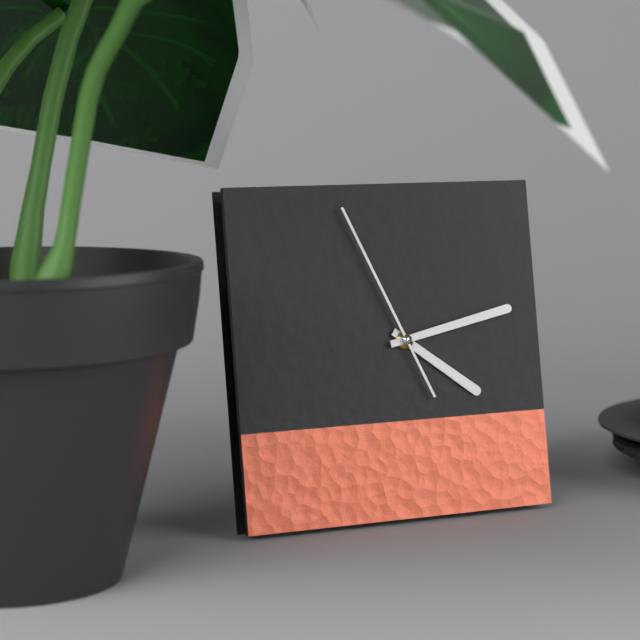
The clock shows 4h13m56s
